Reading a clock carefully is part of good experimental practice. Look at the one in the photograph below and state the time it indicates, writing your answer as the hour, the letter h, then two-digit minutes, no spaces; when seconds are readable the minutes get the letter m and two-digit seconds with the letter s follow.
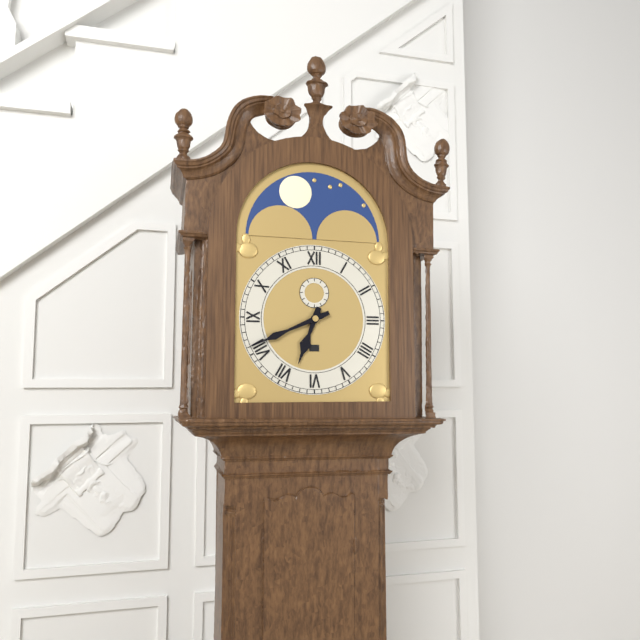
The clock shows 6h41
